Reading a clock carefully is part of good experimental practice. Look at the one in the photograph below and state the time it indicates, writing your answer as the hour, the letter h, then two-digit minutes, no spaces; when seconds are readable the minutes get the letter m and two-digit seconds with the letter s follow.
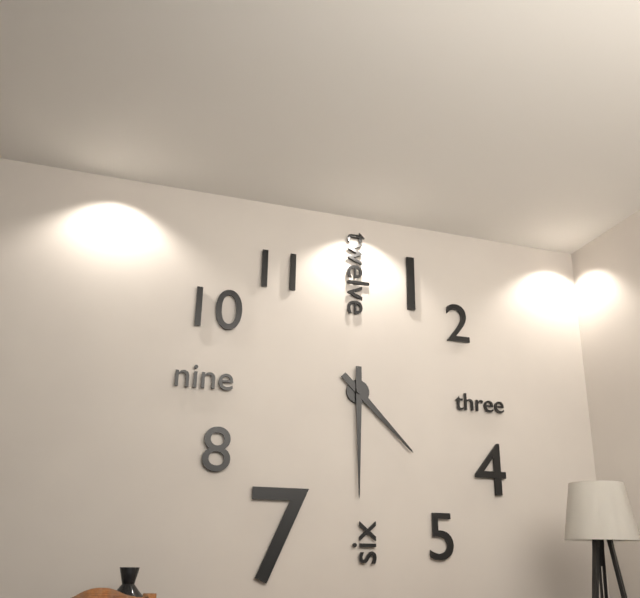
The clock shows 4h30
